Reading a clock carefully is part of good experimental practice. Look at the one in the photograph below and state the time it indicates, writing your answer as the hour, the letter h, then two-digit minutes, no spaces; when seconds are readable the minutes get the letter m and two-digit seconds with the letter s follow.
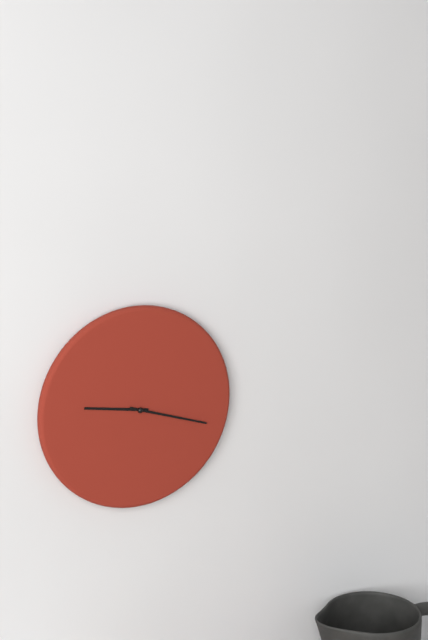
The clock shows 9h18
